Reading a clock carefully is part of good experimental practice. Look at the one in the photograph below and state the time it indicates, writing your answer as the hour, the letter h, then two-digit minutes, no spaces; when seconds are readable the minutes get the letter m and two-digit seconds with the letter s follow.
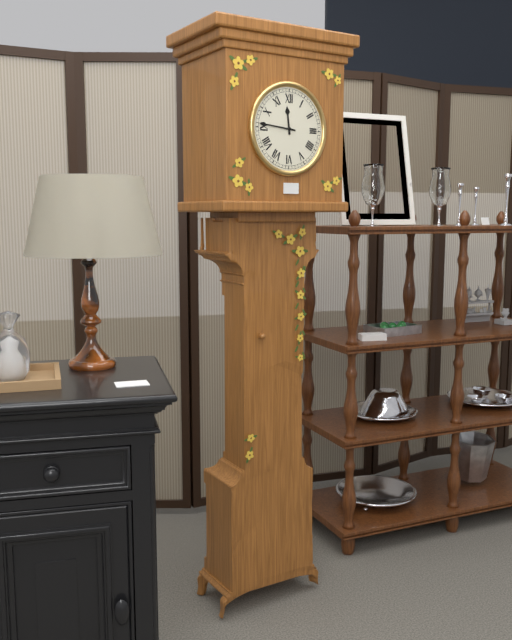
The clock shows 11h46
